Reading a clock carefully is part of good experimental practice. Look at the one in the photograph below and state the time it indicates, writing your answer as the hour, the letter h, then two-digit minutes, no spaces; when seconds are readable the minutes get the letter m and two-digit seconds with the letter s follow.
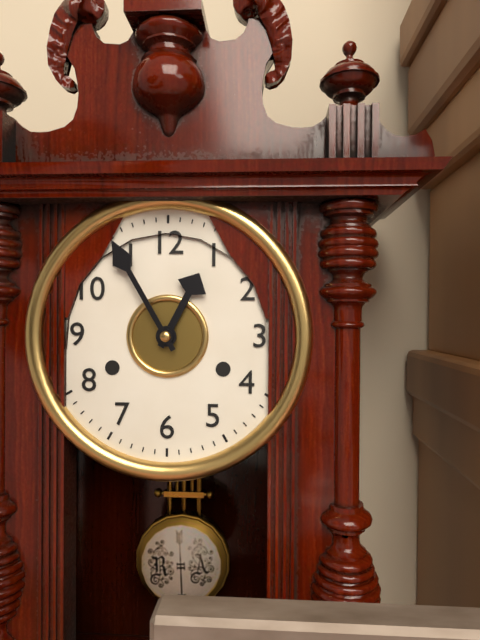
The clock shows 12h55
